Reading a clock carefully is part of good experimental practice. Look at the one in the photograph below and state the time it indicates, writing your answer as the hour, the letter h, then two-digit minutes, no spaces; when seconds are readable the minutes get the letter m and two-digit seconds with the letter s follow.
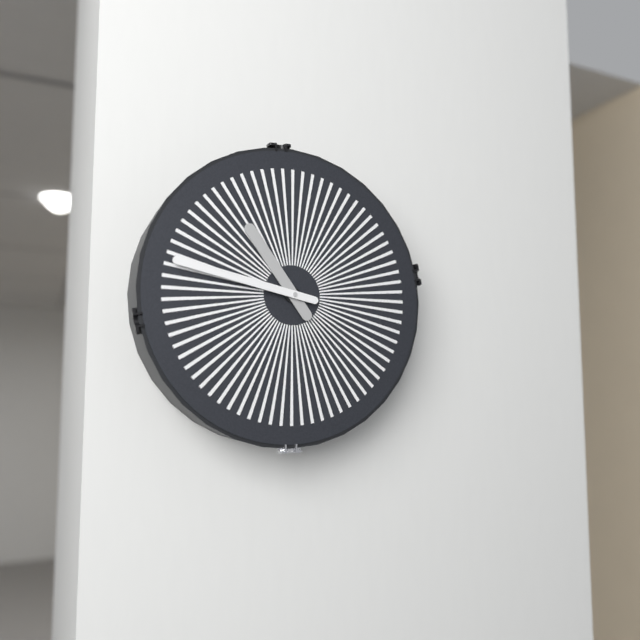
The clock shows 10h47
